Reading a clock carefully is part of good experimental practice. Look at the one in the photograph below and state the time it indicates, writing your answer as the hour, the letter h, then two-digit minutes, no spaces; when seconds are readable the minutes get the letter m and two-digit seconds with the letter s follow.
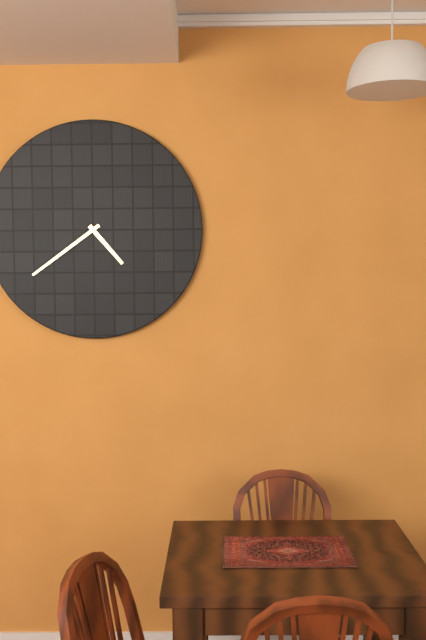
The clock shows 4h39
